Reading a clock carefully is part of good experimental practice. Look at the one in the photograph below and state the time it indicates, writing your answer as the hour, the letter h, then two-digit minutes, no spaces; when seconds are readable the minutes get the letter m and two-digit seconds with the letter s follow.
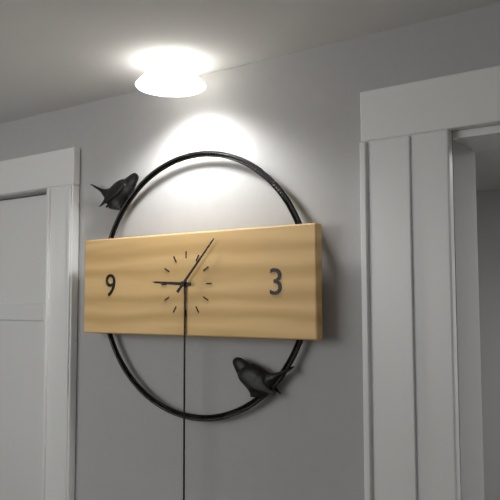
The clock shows 9h07
